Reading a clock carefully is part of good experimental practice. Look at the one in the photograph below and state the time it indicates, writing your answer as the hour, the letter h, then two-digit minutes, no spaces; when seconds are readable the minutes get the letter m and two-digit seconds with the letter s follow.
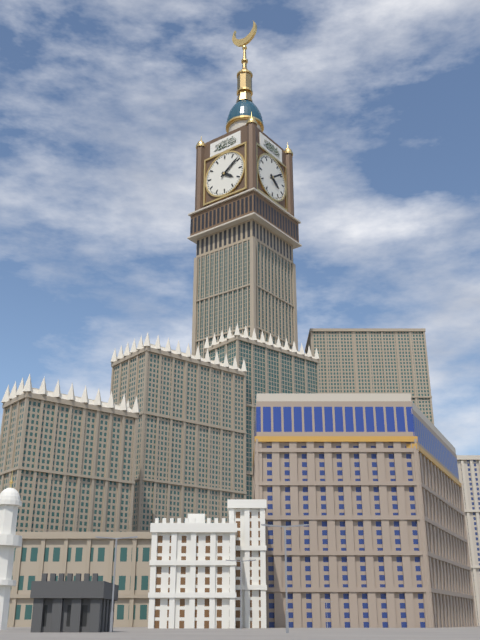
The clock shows 4h09
